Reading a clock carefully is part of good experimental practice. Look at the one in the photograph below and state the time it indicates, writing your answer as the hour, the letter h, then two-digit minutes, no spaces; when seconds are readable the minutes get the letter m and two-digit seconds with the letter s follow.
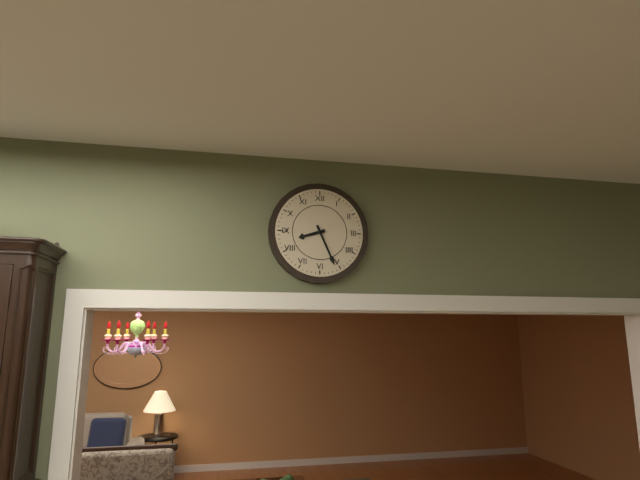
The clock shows 8h26
